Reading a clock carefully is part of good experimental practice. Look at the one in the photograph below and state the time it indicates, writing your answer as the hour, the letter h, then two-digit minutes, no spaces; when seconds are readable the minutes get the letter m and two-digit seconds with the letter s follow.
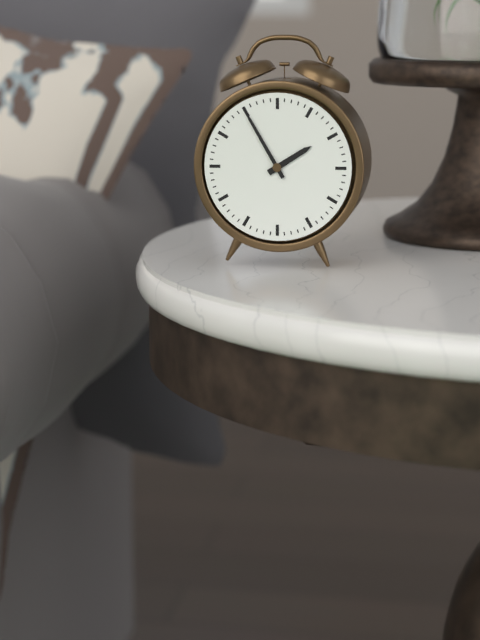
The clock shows 1h55
